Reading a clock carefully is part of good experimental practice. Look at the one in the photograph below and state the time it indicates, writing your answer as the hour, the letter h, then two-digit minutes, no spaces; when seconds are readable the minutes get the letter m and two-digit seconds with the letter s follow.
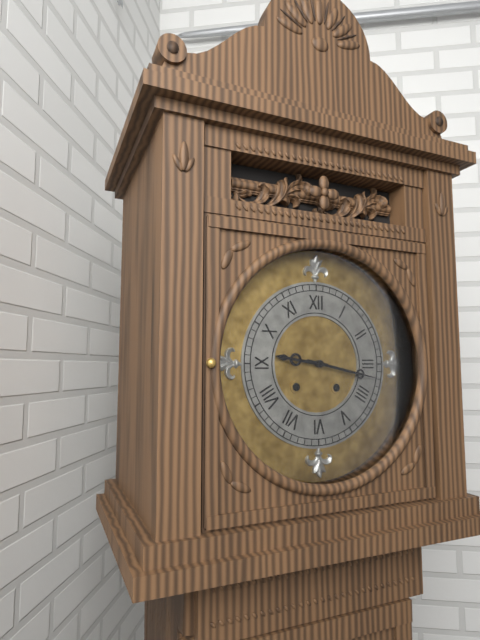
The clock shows 9h17
